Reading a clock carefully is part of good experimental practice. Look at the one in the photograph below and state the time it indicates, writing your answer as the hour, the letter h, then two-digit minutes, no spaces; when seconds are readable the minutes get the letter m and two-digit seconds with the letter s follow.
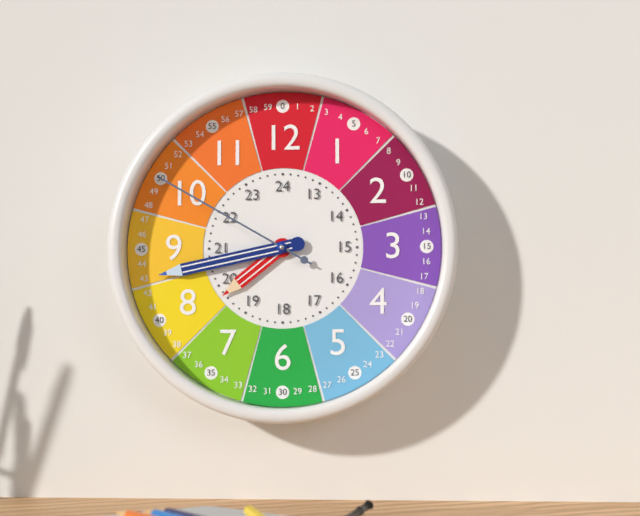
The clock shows 7h43m50s
